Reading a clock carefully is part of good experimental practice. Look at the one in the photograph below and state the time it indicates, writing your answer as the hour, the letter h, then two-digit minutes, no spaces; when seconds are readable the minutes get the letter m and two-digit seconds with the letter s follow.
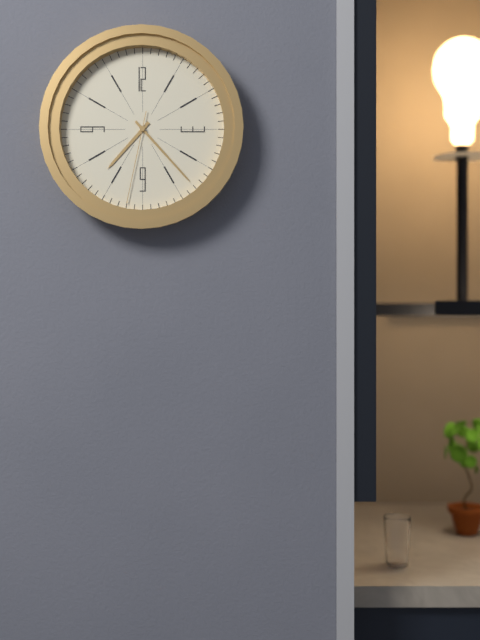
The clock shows 7h23m32s
